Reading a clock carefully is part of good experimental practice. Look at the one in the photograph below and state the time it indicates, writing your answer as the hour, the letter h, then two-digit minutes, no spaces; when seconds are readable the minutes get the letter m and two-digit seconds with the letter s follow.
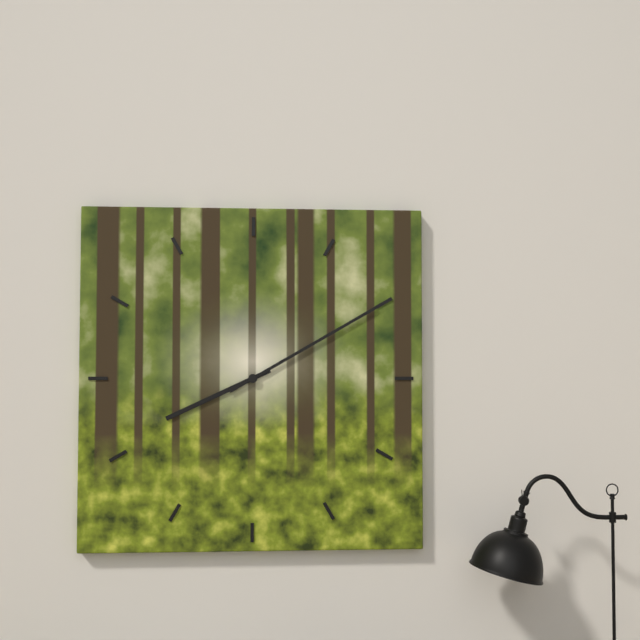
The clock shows 8h10
